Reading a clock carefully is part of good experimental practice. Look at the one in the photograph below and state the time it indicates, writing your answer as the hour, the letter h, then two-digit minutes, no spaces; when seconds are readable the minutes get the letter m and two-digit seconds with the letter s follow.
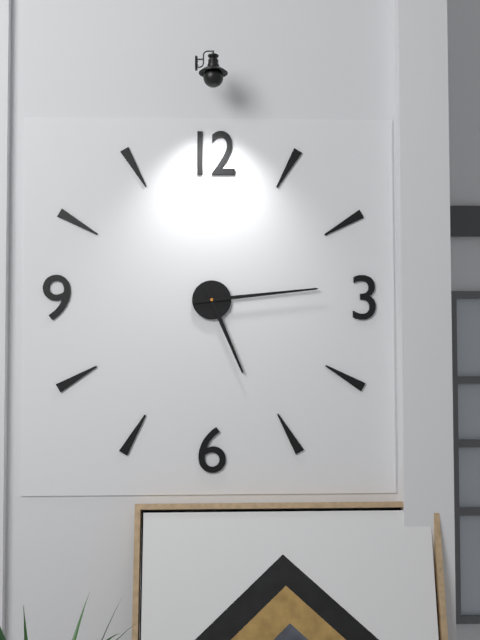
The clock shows 5h14
